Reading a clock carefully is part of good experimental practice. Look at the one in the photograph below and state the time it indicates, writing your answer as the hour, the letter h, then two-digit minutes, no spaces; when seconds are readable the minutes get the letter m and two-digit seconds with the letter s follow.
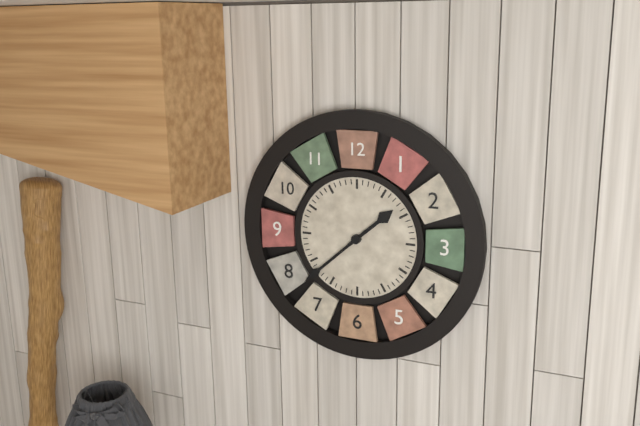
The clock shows 1h38
